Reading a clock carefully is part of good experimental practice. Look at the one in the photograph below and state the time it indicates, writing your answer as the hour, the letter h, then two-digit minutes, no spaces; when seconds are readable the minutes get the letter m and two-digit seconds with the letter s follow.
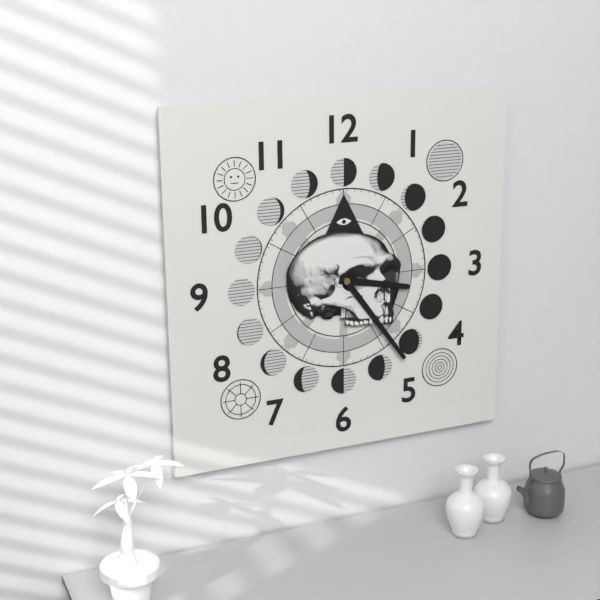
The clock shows 3h24
